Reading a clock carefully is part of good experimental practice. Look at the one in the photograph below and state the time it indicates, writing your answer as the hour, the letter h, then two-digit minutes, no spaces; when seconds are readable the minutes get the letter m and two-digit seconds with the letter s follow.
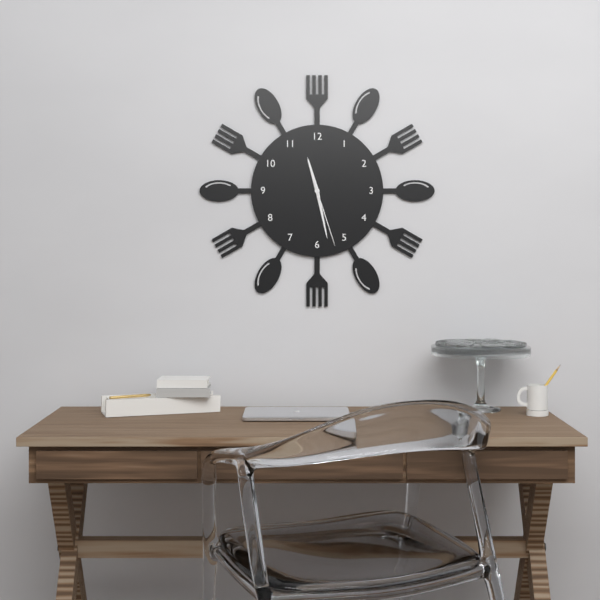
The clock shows 11h28m27s
